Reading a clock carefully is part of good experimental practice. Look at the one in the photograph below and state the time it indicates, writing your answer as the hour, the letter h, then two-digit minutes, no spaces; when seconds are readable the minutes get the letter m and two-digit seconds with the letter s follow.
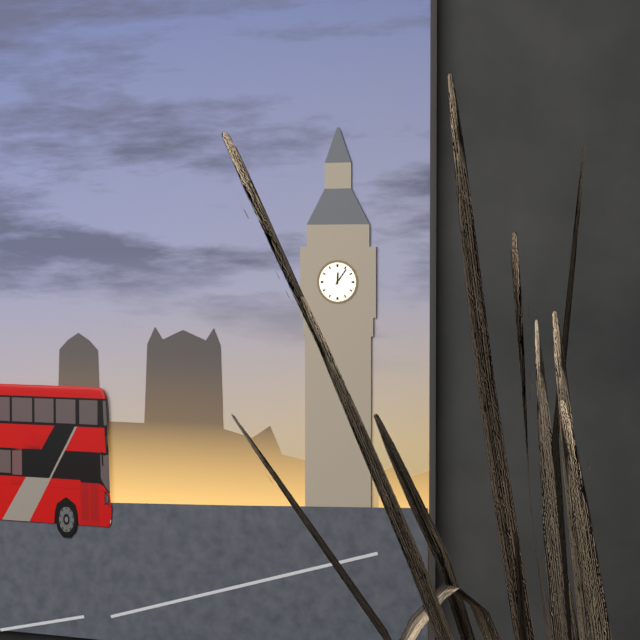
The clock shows 12h06
